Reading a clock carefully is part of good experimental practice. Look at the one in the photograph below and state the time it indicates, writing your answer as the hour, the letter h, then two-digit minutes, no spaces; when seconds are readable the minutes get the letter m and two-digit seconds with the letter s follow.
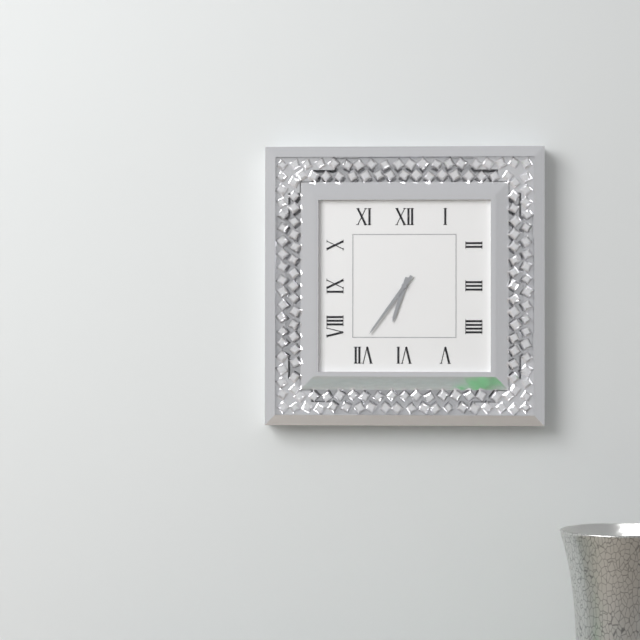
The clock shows 6h36
